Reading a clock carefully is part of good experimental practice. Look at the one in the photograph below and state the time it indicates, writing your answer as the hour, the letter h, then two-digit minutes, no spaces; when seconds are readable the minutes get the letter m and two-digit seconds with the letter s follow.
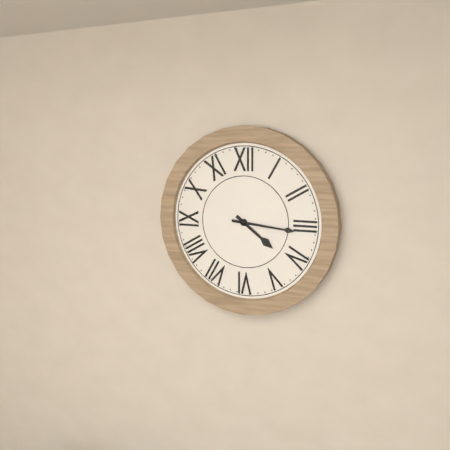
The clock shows 4h16
